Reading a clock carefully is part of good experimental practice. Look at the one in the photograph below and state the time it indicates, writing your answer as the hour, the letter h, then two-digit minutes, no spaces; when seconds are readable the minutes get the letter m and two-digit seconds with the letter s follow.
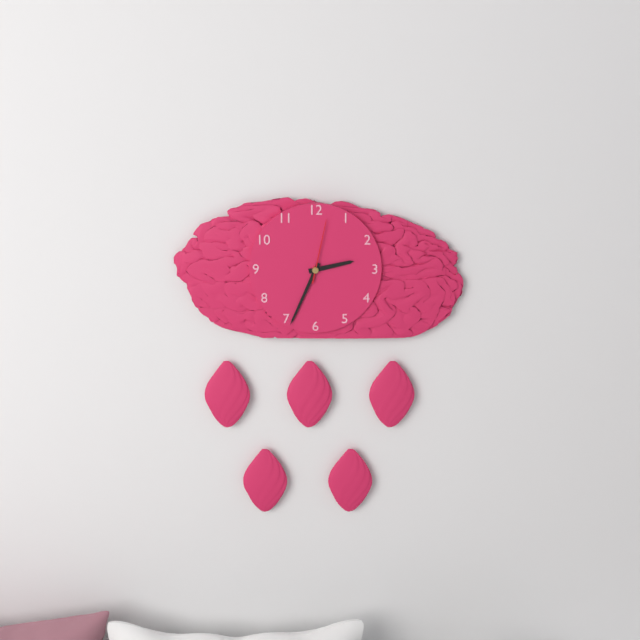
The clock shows 2h34m02s
